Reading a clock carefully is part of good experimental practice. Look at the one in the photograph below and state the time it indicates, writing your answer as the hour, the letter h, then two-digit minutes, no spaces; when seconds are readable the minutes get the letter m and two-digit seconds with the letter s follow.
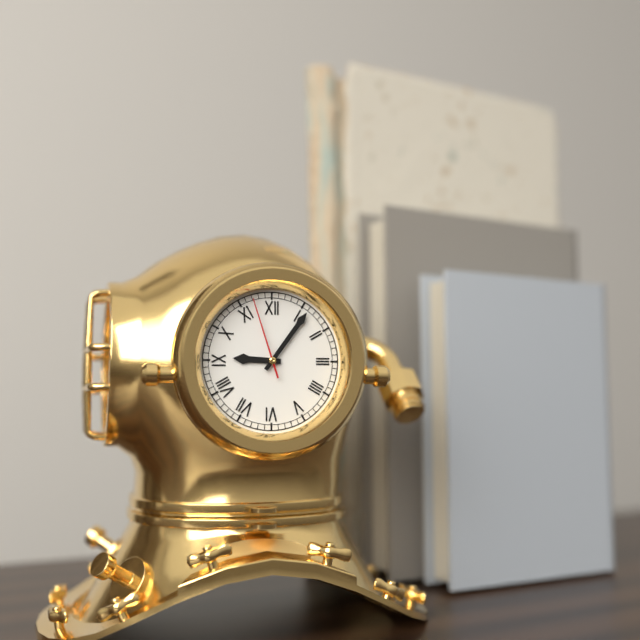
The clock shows 9h06m57s
